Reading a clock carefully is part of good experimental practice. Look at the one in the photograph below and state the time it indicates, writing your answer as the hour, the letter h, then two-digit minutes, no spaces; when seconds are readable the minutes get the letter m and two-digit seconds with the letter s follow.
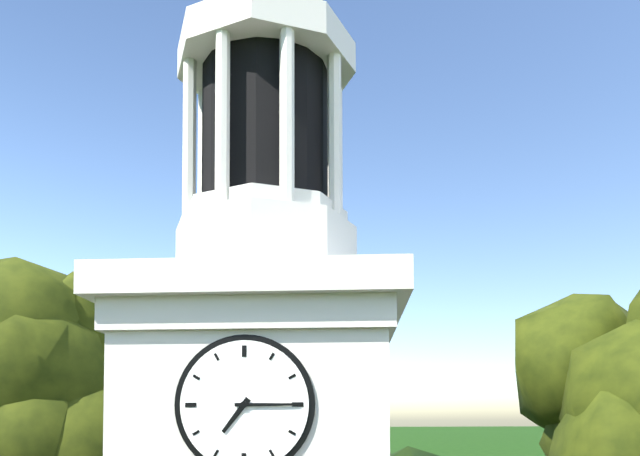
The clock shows 7h15
